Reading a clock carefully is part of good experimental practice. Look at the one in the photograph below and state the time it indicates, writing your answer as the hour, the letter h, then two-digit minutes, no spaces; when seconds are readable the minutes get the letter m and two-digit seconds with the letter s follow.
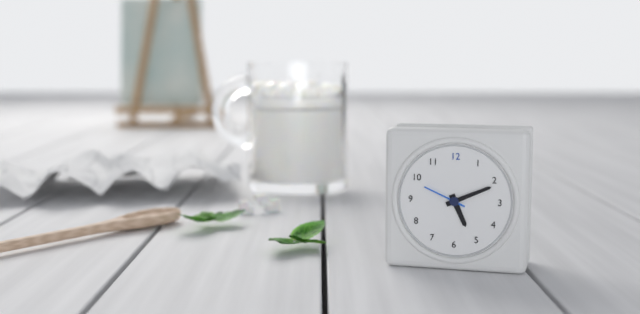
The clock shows 5h11
